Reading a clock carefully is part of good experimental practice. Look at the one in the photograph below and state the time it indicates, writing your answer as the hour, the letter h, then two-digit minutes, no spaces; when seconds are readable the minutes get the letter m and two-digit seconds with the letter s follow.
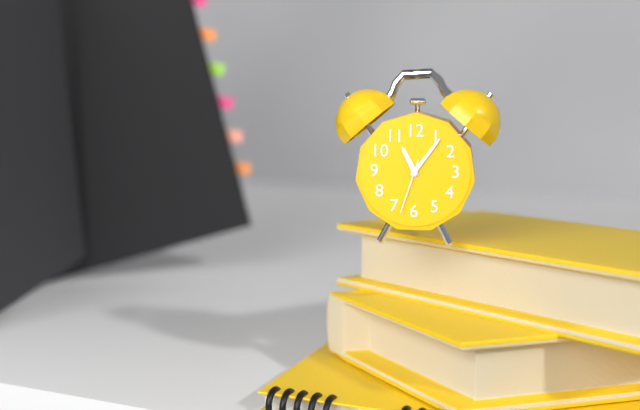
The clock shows 11h06m33s
